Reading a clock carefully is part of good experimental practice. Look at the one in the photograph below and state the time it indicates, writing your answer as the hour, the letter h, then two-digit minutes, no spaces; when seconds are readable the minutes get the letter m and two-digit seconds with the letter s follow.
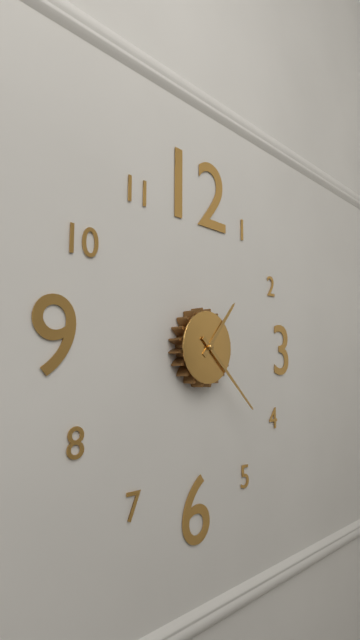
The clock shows 1h22
